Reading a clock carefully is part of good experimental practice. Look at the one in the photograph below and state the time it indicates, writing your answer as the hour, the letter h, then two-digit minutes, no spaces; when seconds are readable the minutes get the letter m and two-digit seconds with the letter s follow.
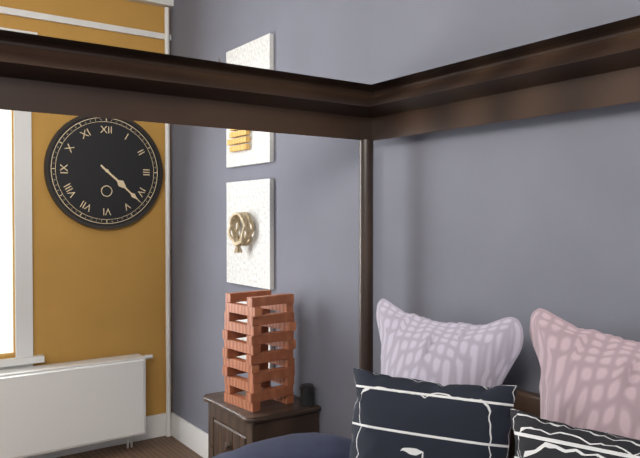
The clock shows 4h22
